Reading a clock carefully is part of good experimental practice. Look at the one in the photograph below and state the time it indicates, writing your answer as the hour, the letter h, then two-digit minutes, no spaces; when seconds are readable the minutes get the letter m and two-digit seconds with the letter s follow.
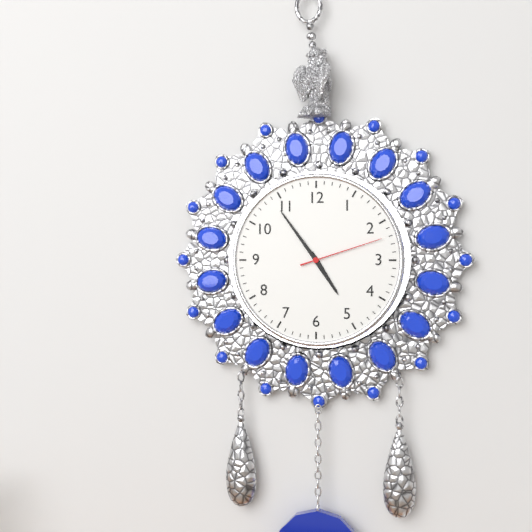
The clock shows 4h54m12s
